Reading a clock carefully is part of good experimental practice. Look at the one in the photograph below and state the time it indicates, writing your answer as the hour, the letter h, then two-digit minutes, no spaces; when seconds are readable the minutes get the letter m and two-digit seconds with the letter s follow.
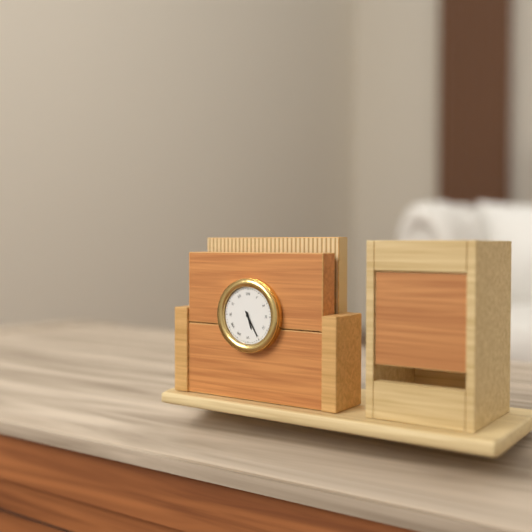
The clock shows 5h25
